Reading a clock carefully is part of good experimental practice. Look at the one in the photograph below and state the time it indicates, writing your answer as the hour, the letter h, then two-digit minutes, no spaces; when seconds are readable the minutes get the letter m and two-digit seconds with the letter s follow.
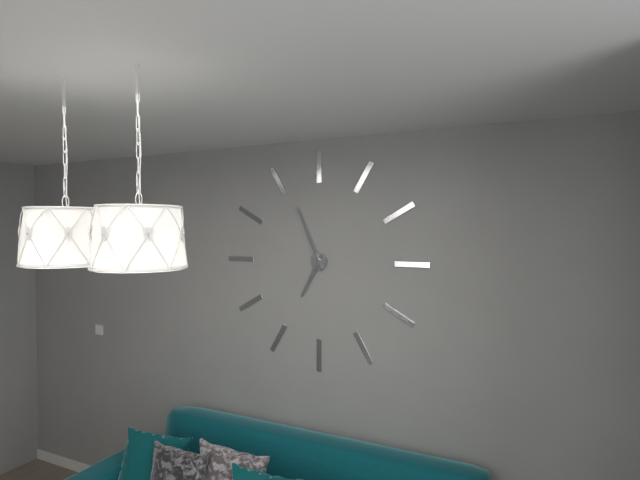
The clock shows 6h56
